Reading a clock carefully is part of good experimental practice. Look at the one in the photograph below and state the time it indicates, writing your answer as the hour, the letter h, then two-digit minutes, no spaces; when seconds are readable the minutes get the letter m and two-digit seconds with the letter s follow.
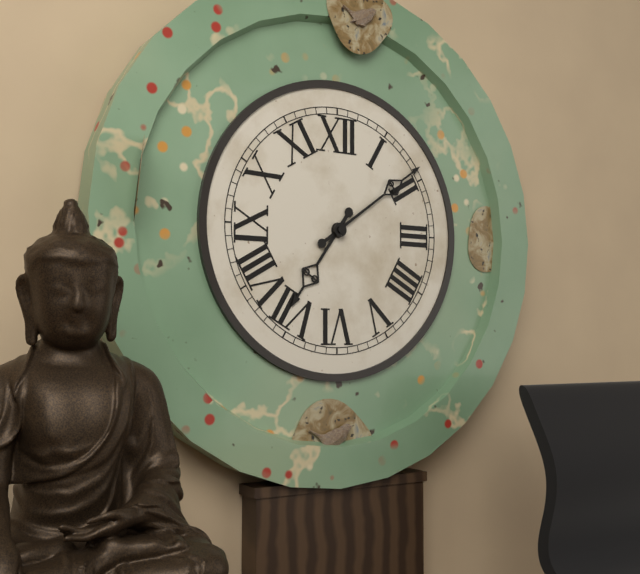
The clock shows 7h09
